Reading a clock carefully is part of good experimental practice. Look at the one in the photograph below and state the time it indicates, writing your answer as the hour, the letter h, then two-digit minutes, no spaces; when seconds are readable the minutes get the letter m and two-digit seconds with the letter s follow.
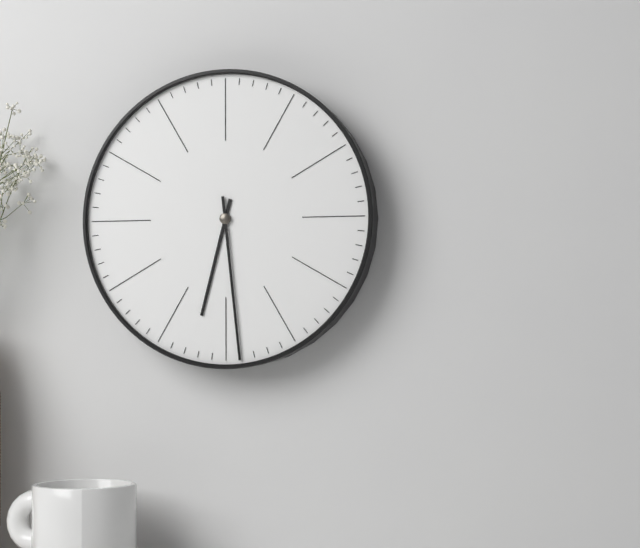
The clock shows 6h29
